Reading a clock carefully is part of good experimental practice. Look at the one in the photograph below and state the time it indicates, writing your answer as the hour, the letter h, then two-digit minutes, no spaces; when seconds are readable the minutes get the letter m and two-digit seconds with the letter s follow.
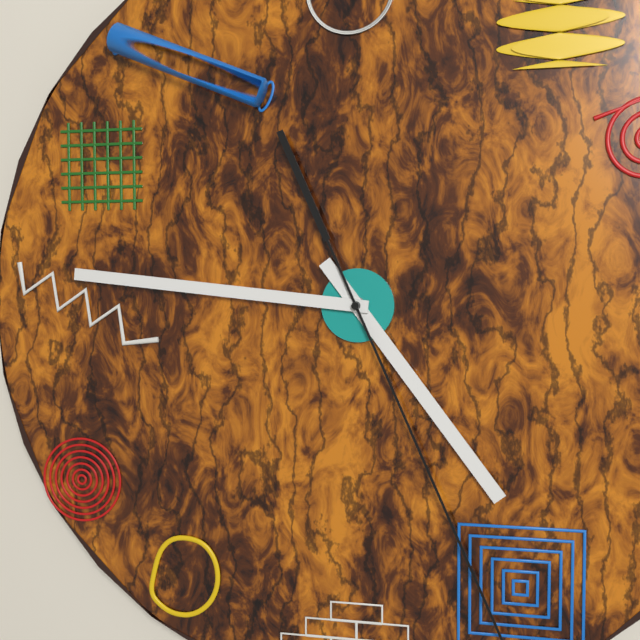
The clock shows 4h46
